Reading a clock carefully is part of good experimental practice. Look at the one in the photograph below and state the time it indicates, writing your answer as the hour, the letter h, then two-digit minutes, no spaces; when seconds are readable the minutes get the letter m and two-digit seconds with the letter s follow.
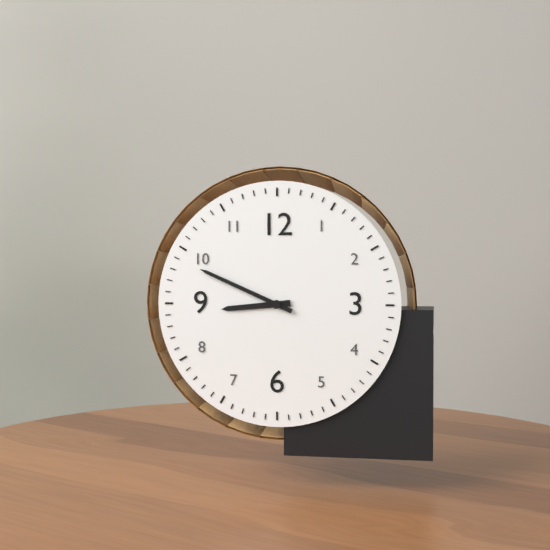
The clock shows 8h49
